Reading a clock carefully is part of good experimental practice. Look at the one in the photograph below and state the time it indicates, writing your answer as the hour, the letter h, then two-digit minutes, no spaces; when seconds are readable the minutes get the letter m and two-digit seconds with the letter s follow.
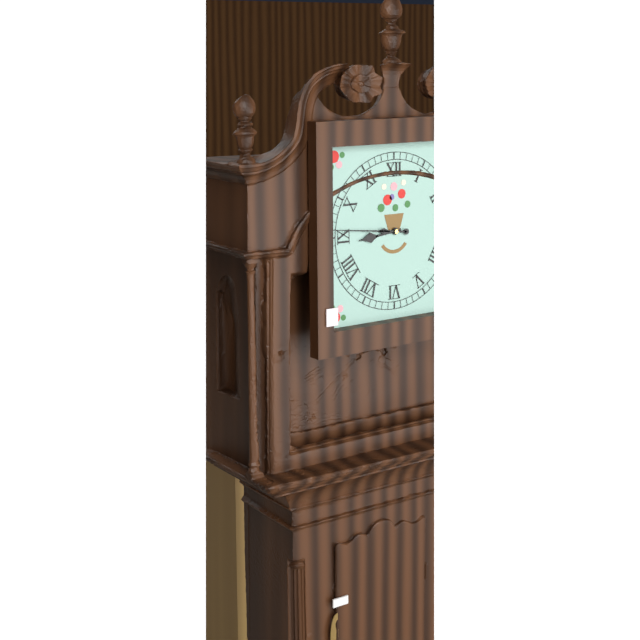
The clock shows 8h46
